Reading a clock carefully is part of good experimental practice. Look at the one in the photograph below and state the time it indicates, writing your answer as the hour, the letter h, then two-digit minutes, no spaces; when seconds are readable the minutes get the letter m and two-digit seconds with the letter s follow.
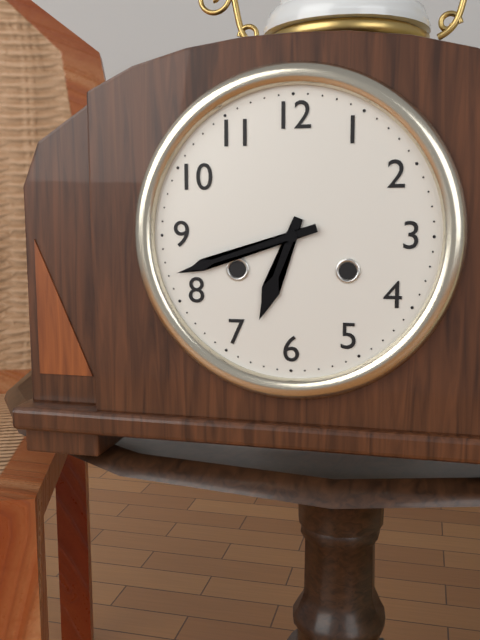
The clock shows 6h42
